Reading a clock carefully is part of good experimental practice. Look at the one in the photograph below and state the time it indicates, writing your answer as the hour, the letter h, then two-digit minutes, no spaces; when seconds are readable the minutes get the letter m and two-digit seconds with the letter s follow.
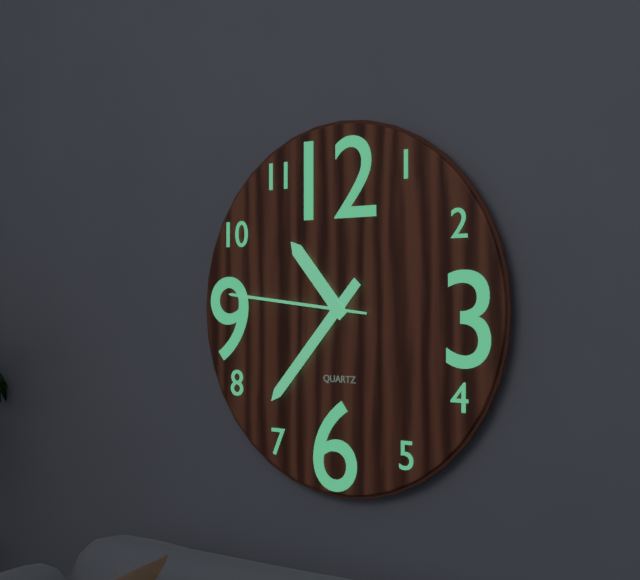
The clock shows 10h37m46s
